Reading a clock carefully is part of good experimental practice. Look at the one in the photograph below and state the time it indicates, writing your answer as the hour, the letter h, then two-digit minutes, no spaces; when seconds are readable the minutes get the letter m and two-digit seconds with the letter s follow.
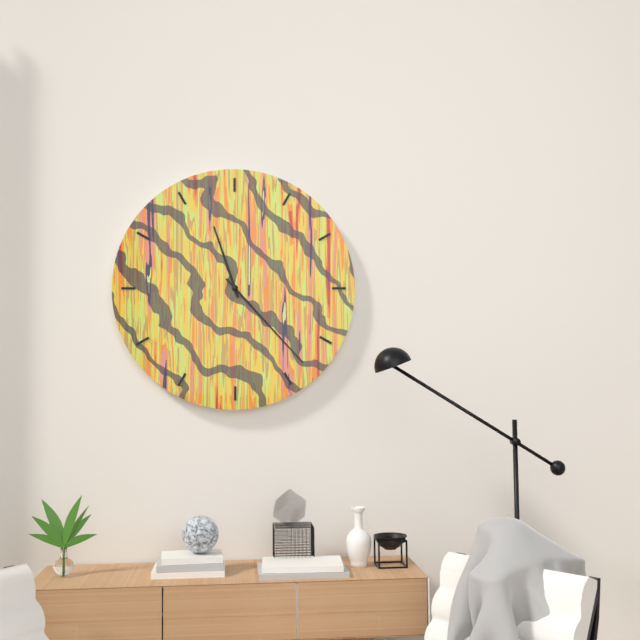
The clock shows 11h23
